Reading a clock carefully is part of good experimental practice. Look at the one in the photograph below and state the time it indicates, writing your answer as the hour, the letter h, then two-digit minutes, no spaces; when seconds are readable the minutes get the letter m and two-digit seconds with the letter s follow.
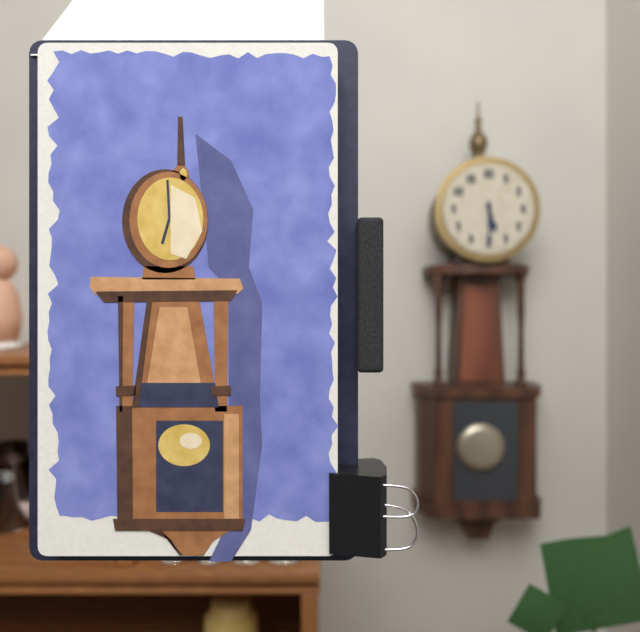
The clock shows 5h30
